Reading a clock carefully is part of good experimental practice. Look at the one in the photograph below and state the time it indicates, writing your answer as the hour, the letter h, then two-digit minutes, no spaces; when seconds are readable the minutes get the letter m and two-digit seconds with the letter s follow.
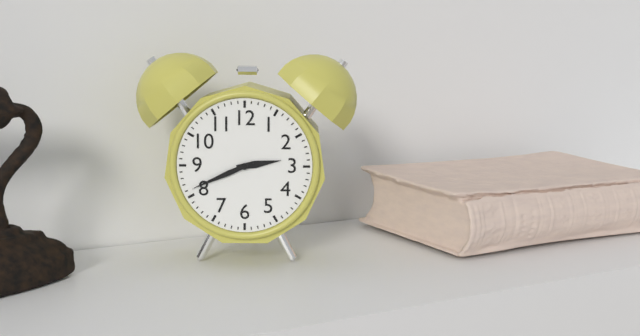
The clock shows 2h41
